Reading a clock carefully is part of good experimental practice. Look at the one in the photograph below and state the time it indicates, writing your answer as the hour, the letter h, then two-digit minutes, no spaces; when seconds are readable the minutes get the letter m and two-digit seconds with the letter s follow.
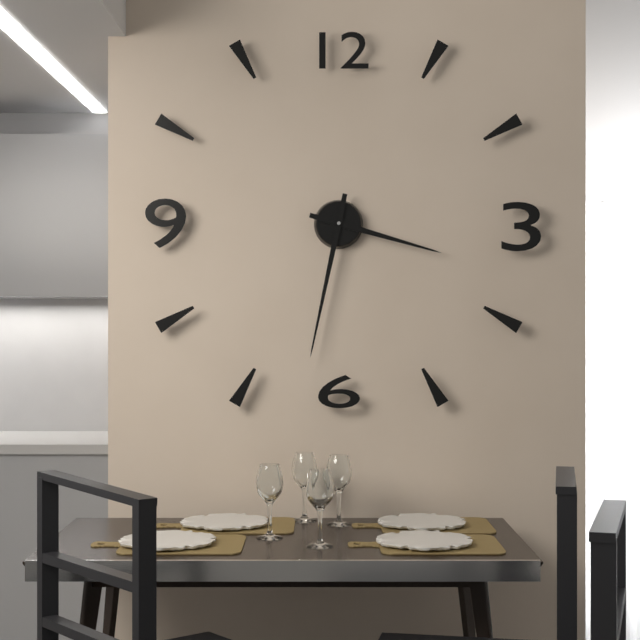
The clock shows 3h32
